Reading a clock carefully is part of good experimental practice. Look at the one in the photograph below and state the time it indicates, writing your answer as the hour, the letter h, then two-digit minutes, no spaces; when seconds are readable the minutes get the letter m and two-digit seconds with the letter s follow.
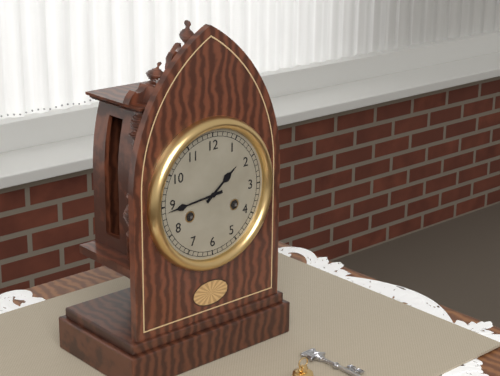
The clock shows 1h44
